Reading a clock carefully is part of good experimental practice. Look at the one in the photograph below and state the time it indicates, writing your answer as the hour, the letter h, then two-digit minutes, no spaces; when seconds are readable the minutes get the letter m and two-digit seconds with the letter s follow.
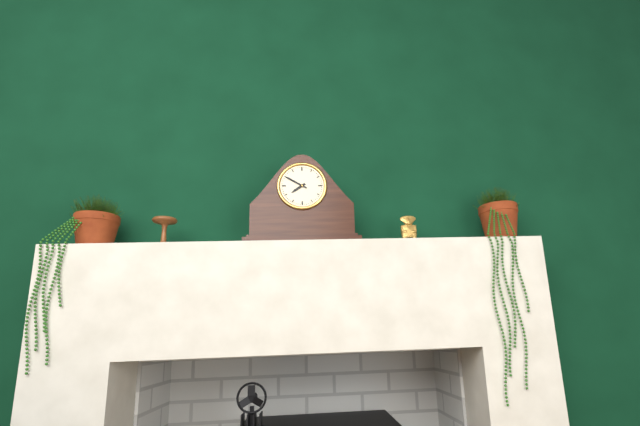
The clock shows 7h50
